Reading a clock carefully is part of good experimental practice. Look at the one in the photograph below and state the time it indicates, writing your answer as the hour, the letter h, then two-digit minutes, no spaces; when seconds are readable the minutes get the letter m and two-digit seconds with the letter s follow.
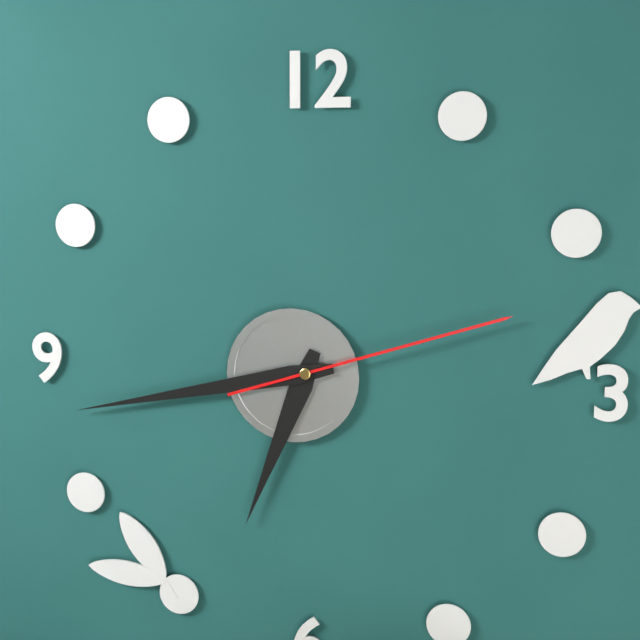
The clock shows 6h43m12s
